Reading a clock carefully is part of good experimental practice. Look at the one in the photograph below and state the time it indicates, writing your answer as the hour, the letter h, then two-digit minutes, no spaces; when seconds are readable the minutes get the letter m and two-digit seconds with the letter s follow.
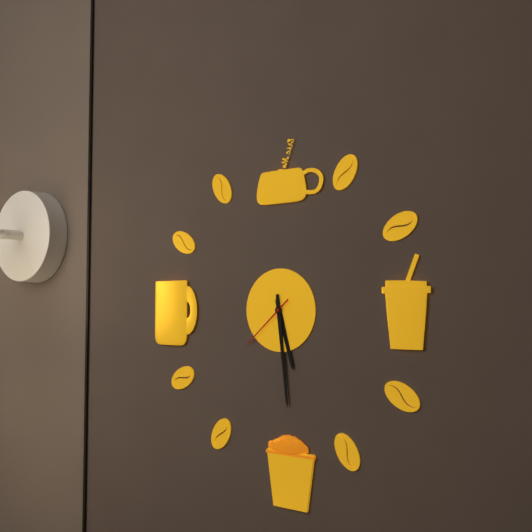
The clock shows 5h29m38s
